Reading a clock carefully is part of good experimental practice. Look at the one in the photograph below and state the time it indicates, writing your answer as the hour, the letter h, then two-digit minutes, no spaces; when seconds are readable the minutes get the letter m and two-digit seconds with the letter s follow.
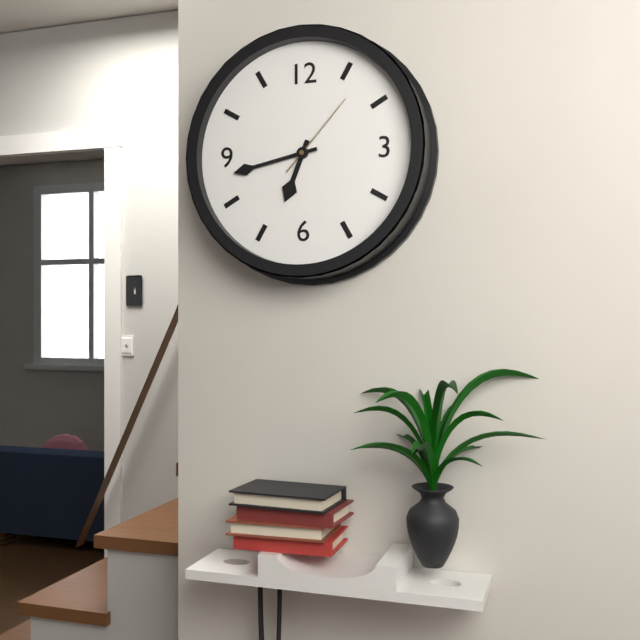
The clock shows 6h43m07s
